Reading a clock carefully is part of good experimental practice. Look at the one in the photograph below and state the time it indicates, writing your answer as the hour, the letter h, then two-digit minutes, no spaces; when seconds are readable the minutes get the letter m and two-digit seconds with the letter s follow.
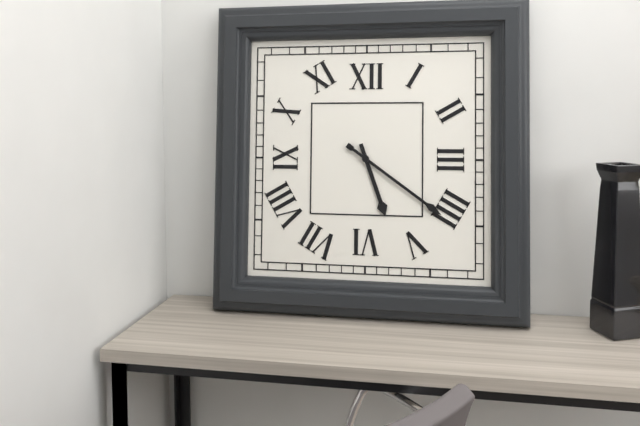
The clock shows 5h21
